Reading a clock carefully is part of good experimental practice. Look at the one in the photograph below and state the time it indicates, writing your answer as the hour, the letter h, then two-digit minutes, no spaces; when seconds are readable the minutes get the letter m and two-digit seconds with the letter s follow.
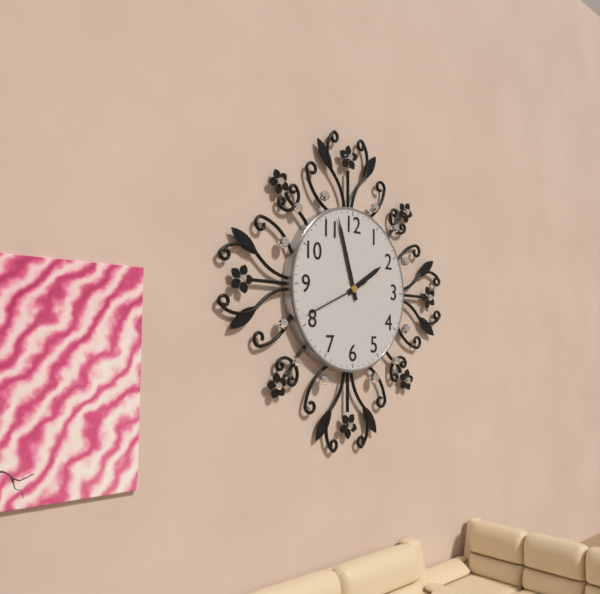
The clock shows 1h57m41s
